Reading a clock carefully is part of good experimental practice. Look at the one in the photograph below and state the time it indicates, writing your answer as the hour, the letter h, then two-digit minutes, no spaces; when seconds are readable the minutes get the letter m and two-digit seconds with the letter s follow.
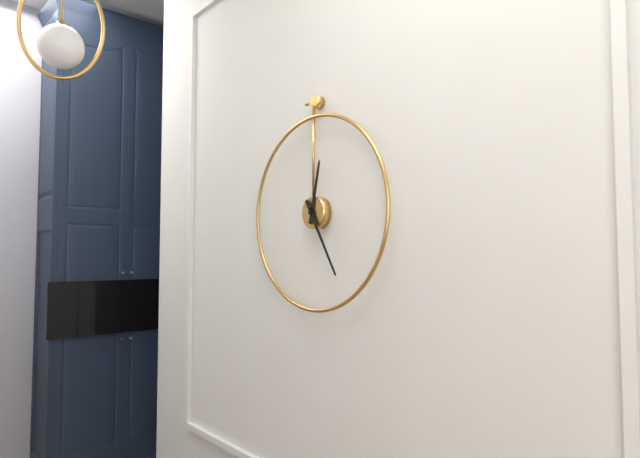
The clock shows 12h25
